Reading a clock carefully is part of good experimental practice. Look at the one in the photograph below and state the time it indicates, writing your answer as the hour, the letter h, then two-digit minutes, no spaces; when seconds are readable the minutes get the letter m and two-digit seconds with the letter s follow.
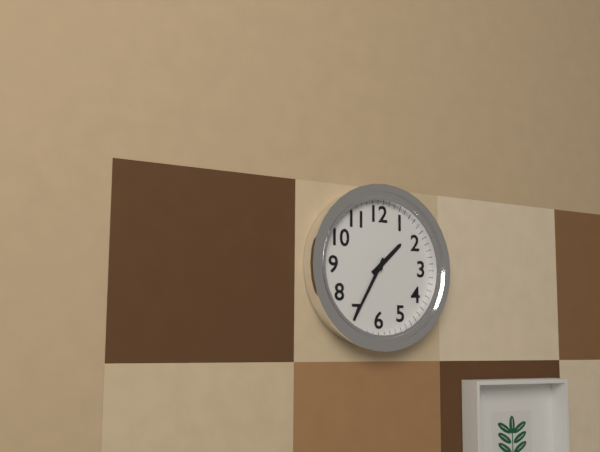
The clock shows 1h35
